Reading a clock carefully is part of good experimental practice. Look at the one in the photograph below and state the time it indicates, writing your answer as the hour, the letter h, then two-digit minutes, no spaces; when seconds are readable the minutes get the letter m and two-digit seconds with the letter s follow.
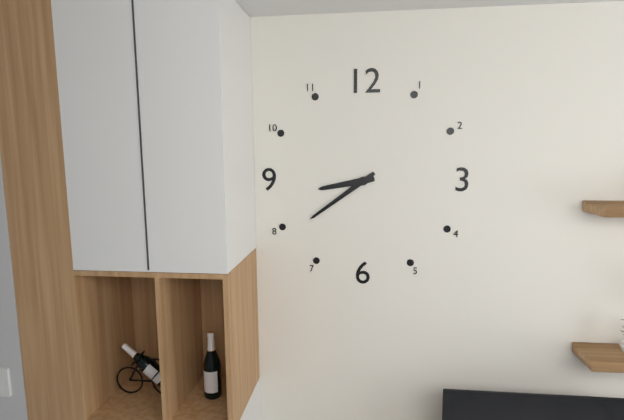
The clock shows 8h39
